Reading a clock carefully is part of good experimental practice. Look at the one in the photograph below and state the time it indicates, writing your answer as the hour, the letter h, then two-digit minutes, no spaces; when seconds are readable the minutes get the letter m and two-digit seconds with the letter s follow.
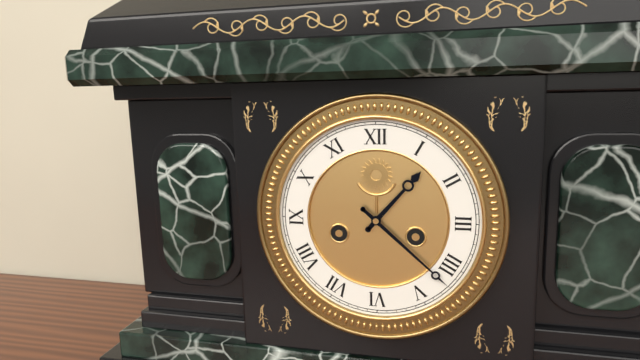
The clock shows 1h22
